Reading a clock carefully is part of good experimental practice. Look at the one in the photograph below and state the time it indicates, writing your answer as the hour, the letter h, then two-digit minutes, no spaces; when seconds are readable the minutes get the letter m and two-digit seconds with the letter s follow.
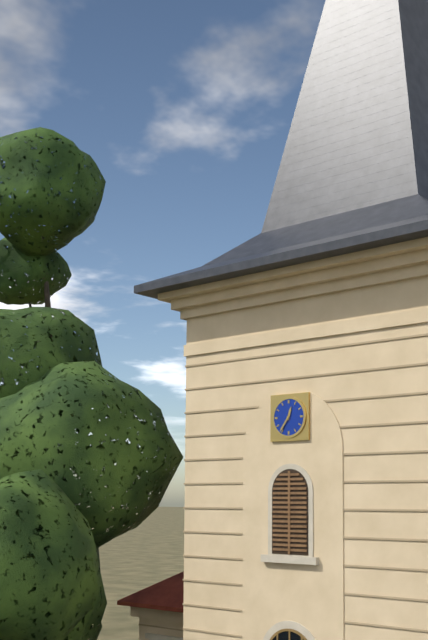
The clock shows 12h36
